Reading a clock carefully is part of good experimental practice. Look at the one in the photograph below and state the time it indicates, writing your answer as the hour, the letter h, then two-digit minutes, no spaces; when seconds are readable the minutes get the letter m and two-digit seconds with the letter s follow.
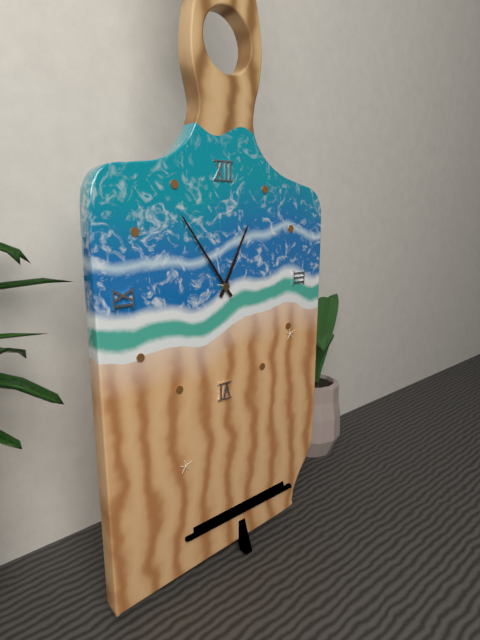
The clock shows 12h54
